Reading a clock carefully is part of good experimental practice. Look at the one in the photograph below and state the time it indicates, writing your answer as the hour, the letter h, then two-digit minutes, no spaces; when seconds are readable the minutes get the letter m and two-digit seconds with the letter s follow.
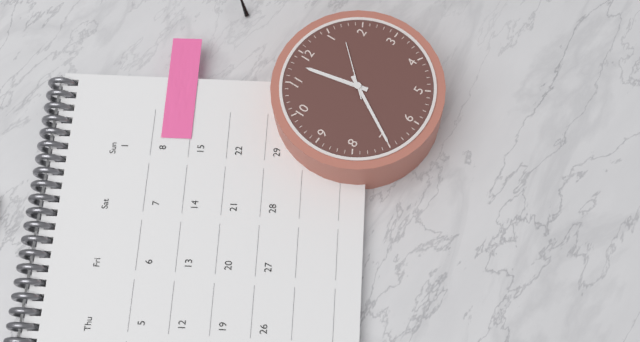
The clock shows 11h35m07s
